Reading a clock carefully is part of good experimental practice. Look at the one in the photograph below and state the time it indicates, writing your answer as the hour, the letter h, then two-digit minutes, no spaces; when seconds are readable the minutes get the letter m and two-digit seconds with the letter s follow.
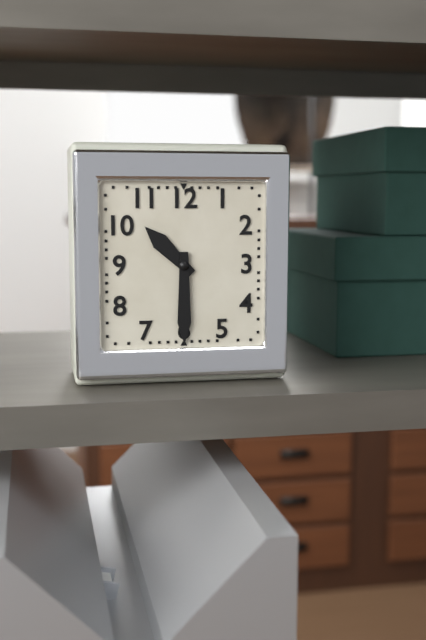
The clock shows 10h30
